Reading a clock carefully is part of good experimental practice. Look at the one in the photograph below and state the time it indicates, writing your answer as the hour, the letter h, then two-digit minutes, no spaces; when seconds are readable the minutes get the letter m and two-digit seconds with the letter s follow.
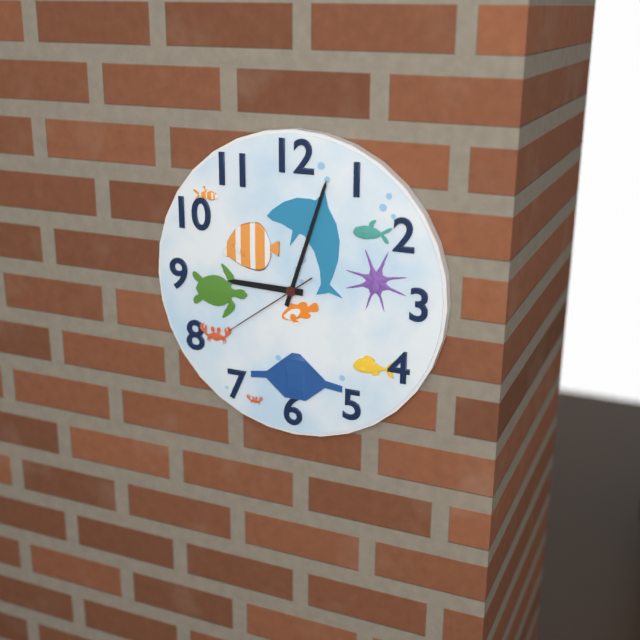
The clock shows 9h03m39s
